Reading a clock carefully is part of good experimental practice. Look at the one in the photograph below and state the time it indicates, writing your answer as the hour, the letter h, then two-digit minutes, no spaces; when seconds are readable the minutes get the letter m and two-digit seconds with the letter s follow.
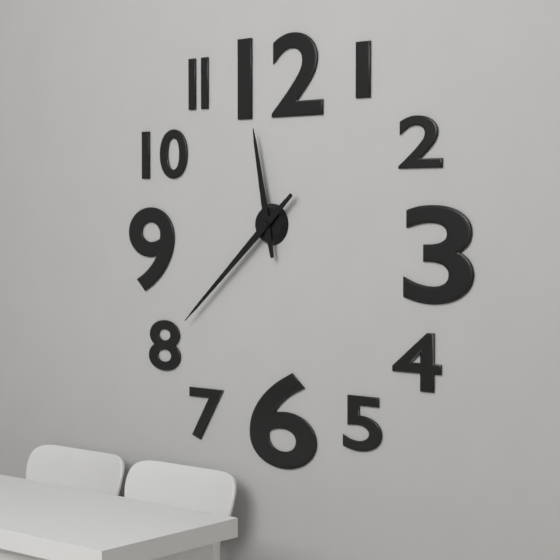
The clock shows 11h38
